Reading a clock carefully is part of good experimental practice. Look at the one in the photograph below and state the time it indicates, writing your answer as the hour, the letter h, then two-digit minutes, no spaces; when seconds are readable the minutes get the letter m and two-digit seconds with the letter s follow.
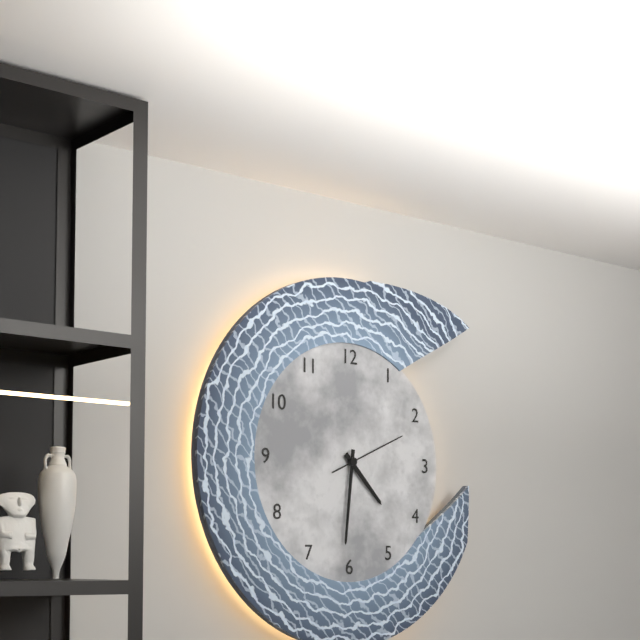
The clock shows 4h31m11s
